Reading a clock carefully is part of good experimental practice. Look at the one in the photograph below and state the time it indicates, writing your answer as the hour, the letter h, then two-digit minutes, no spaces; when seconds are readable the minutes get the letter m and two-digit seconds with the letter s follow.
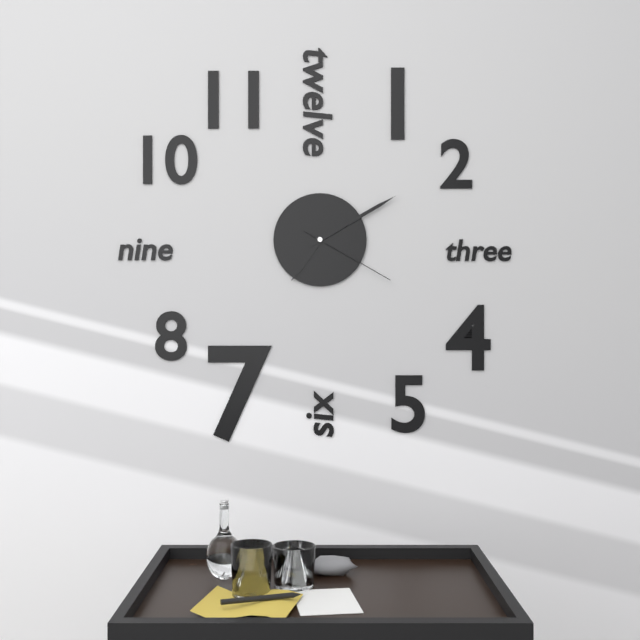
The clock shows 7h10m20s
